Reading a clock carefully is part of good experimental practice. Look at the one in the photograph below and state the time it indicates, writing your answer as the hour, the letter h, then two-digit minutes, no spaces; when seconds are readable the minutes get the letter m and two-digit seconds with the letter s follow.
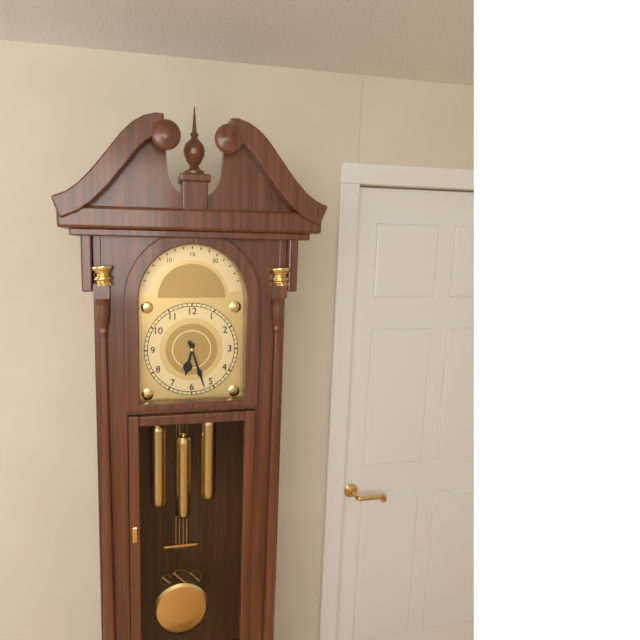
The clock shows 6h27
